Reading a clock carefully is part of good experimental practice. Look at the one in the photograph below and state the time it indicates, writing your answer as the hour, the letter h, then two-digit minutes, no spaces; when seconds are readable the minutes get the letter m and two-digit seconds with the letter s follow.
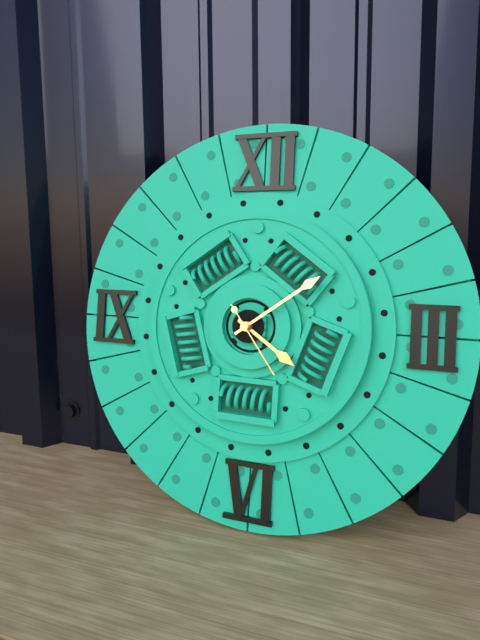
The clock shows 4h09m24s
